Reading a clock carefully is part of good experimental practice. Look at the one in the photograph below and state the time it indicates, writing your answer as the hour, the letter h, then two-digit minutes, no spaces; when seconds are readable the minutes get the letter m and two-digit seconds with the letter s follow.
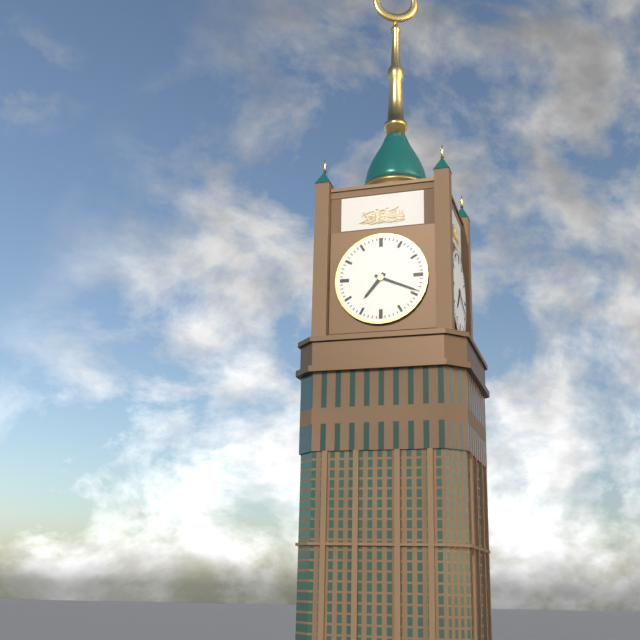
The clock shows 7h19
